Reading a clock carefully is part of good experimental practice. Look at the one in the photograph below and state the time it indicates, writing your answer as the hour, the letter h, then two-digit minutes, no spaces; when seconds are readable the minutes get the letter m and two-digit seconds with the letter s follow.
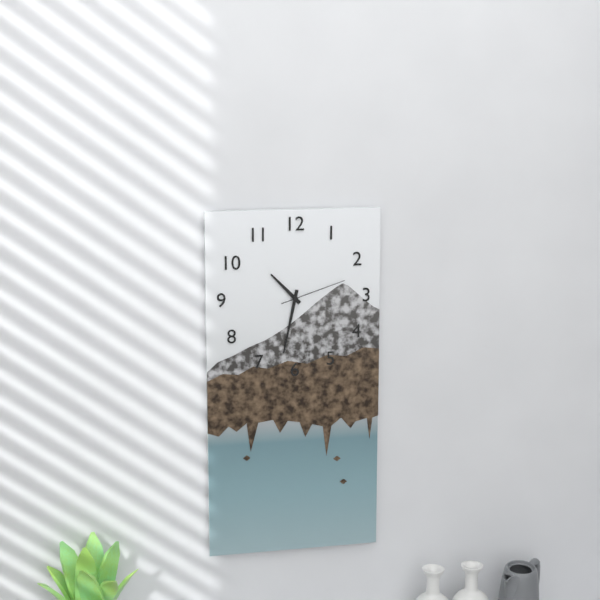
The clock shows 10h32m12s
